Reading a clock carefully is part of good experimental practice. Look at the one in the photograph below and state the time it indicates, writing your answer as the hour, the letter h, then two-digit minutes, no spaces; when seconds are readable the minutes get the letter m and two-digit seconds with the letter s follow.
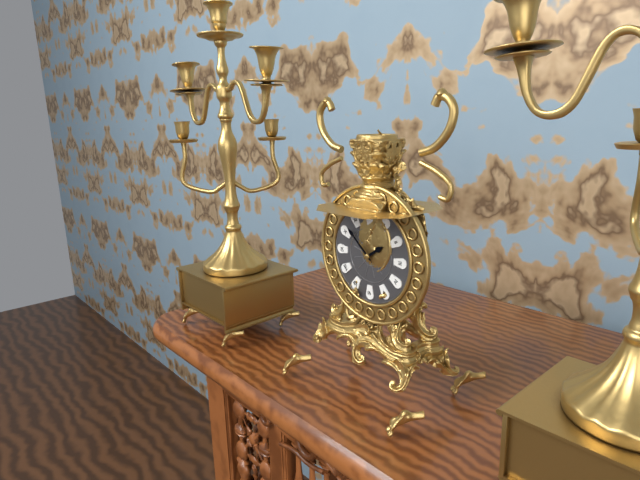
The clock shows 1h52
